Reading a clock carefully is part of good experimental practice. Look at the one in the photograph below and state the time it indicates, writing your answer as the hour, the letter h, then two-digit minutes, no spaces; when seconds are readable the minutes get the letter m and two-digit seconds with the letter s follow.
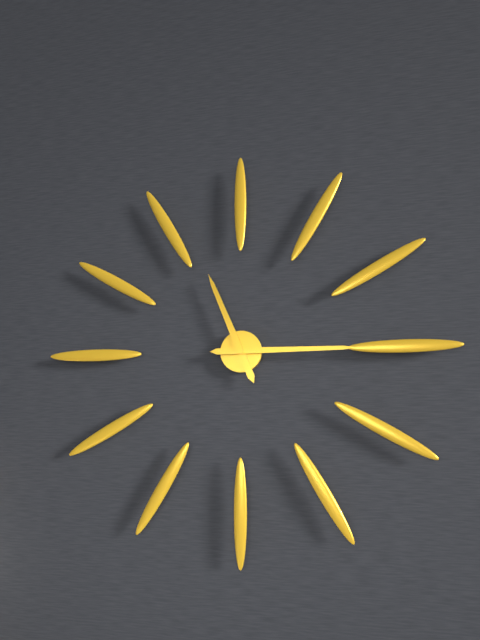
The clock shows 11h15
